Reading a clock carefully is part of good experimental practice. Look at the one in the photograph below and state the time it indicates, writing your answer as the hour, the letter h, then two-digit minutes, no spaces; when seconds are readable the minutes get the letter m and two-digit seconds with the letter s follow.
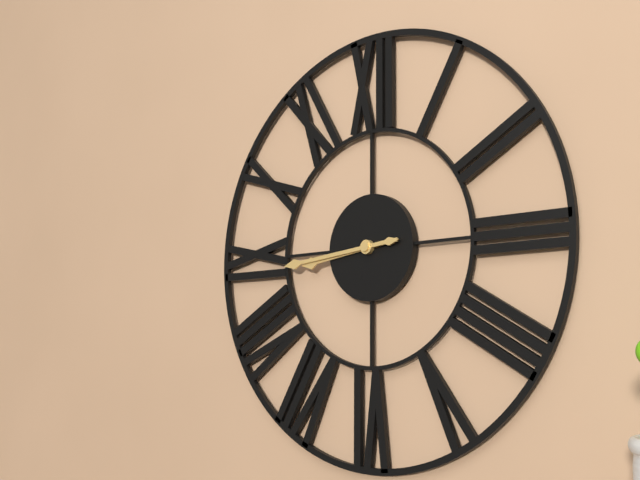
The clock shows 8h44
